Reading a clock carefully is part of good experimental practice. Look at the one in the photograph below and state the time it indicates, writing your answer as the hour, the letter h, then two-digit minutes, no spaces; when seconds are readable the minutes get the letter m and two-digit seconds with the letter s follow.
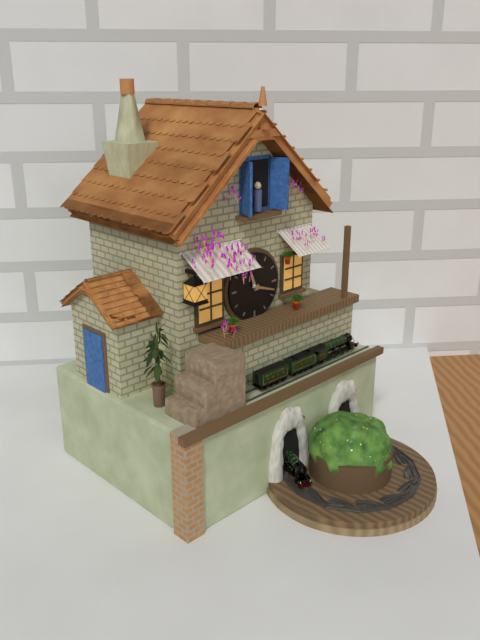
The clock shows 11h18
